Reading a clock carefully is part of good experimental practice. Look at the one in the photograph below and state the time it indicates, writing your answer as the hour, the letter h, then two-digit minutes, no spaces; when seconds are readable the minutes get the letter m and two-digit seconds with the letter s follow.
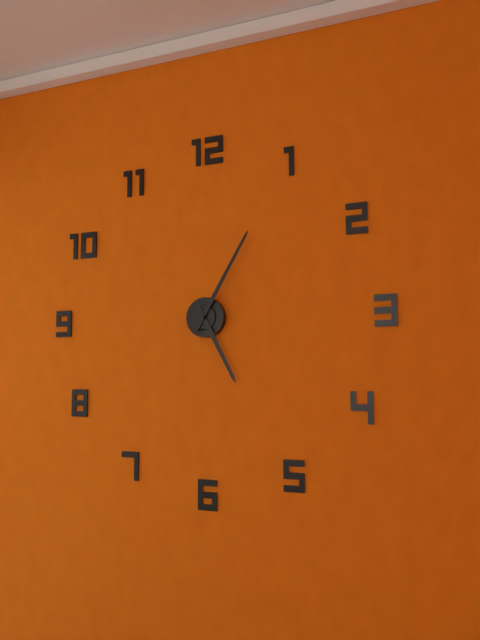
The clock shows 5h05
